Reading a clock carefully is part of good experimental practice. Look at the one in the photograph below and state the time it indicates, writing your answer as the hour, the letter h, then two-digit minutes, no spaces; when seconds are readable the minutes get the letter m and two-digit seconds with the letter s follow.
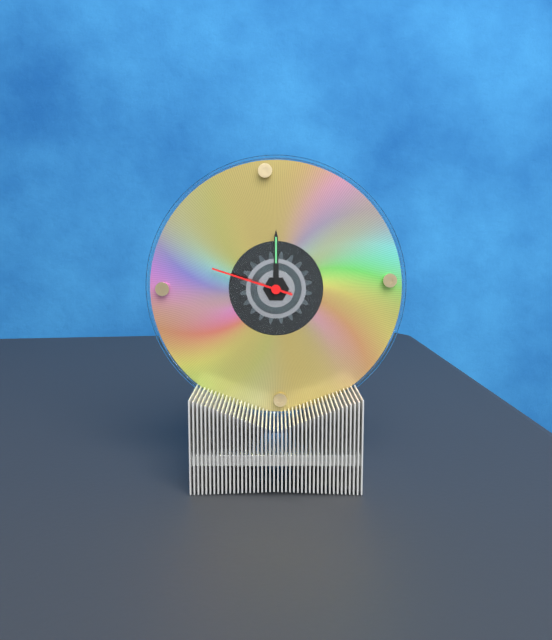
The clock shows 12h00m48s
